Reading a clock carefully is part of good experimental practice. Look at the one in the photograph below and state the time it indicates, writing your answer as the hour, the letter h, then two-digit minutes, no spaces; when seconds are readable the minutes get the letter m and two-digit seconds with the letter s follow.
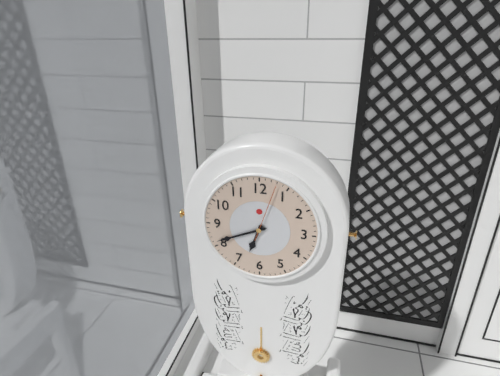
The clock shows 6h41m03s
